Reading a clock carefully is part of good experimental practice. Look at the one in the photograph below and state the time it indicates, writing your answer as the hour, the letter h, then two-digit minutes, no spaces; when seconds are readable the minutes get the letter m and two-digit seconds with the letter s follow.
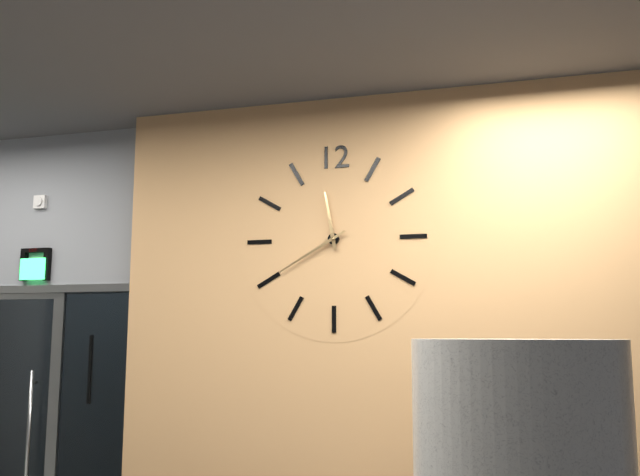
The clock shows 11h40
